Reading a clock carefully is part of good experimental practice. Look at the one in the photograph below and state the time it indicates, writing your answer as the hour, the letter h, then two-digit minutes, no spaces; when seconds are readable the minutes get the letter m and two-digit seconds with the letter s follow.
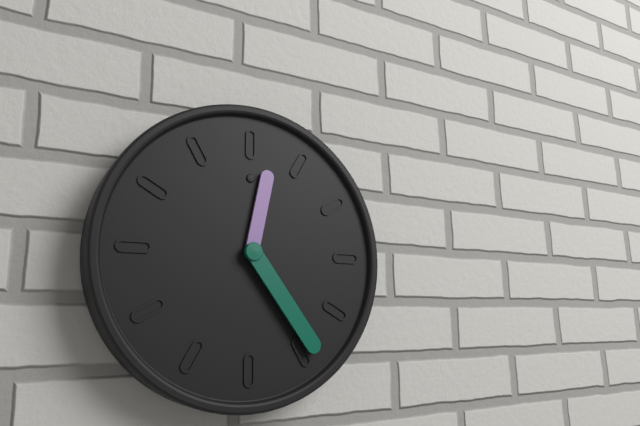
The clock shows 12h24
